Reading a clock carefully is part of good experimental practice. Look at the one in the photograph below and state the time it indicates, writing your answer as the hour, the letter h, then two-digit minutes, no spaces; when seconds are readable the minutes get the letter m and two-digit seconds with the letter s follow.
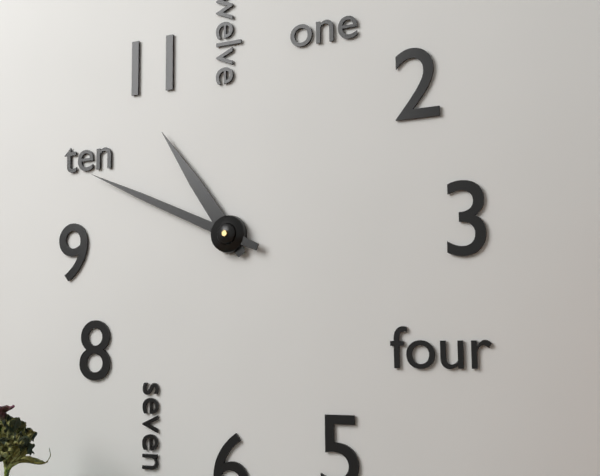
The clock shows 10h49
